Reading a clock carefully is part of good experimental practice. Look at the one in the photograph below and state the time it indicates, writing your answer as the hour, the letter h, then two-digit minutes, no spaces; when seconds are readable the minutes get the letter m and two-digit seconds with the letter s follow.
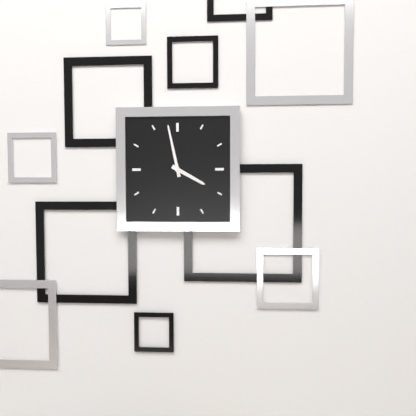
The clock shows 3h58
